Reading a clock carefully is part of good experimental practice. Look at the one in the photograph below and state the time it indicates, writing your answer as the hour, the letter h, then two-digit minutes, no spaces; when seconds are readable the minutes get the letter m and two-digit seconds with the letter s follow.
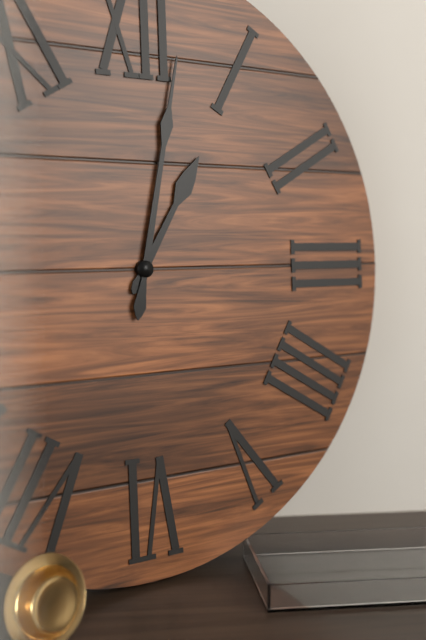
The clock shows 1h02
